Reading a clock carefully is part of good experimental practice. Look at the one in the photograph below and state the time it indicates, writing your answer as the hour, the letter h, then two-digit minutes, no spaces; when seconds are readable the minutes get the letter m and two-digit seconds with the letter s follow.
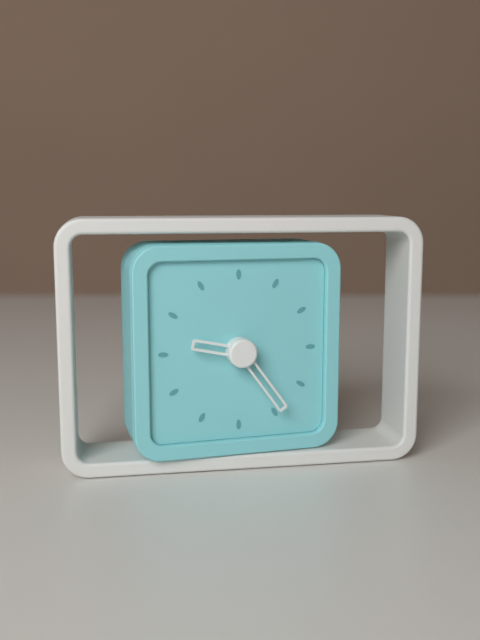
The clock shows 9h24
